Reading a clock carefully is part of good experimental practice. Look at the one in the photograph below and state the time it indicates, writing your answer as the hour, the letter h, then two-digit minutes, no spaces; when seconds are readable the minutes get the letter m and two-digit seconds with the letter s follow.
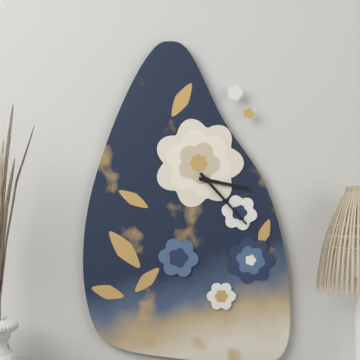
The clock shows 3h23
